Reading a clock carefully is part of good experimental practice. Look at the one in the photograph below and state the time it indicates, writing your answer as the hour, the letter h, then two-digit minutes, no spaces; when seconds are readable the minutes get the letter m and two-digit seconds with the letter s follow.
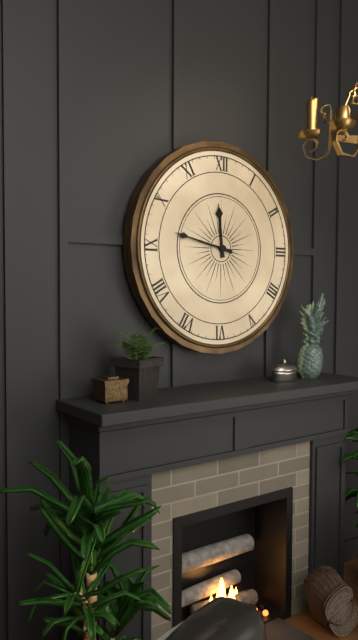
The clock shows 11h47
